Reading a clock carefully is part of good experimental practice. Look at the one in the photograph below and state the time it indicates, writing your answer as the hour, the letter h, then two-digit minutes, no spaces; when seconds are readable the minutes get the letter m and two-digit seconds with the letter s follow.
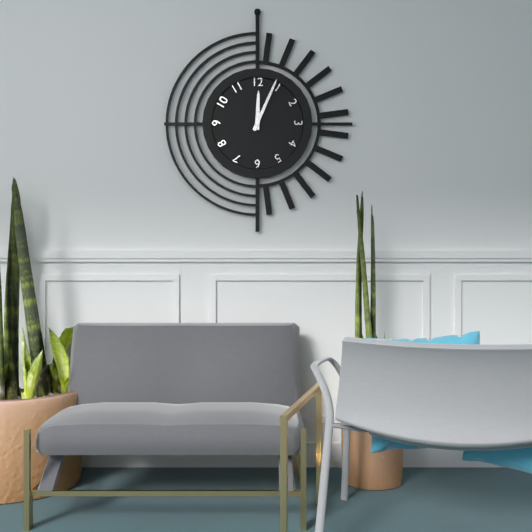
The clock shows 12h04
